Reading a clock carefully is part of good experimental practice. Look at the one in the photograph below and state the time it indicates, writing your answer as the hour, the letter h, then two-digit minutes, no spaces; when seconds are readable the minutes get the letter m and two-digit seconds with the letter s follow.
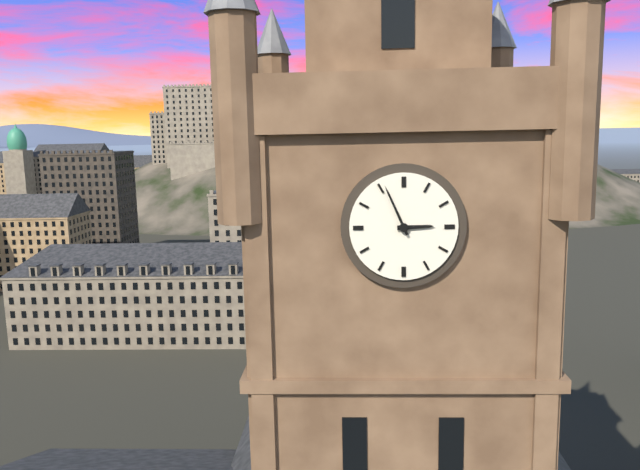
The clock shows 2h56
